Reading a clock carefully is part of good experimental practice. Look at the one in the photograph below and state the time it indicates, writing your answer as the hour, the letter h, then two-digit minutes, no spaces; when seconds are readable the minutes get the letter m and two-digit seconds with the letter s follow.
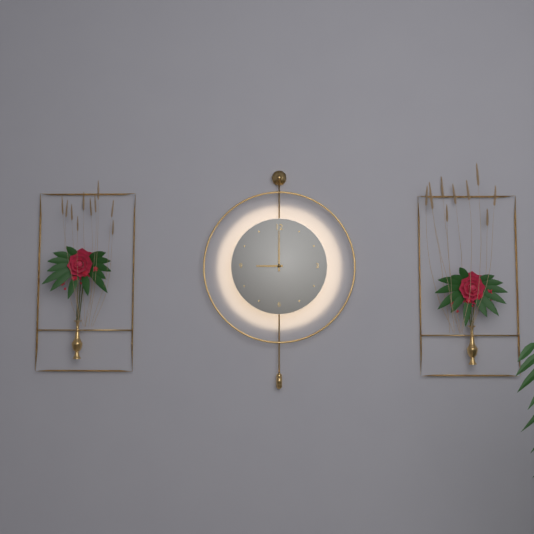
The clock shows 9h00
